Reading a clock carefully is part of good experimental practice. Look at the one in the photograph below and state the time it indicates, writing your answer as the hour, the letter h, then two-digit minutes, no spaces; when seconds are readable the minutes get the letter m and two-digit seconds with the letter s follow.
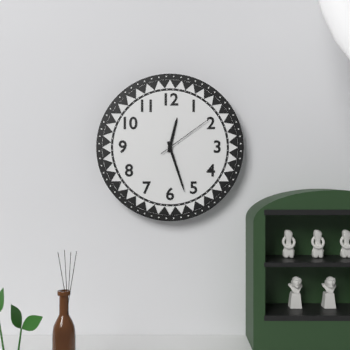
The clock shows 12h27m09s
